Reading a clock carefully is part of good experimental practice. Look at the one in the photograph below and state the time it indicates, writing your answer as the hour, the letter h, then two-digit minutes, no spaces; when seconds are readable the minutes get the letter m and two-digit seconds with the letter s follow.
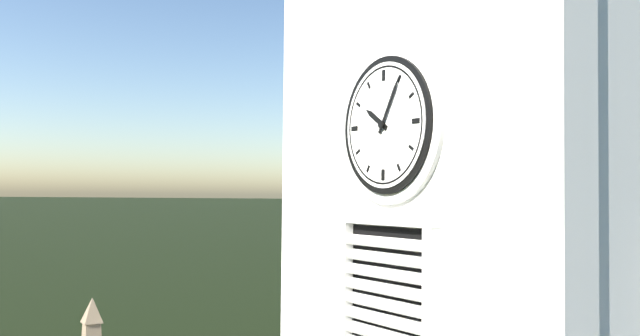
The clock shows 10h05
